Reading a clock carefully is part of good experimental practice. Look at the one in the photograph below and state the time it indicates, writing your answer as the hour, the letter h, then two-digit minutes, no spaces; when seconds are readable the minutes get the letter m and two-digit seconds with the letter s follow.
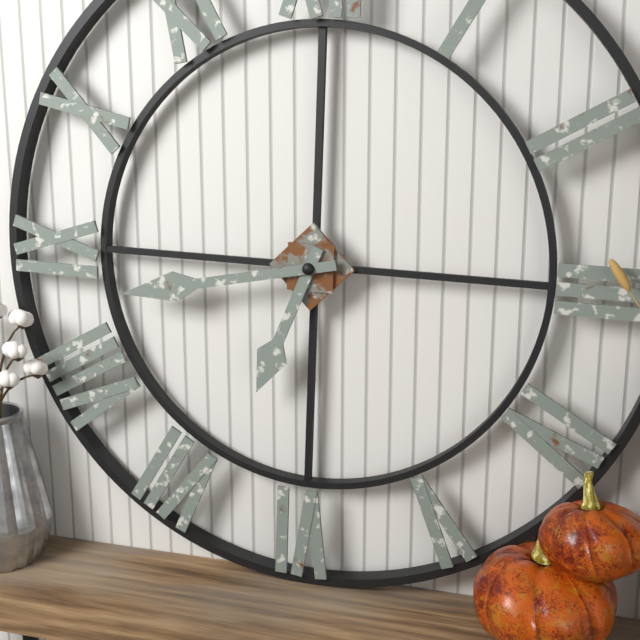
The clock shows 6h43
